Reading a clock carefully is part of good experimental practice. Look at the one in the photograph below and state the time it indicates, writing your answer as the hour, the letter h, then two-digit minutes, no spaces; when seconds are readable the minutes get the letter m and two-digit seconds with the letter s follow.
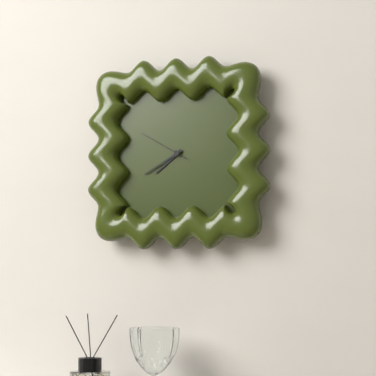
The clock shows 7h40m50s
